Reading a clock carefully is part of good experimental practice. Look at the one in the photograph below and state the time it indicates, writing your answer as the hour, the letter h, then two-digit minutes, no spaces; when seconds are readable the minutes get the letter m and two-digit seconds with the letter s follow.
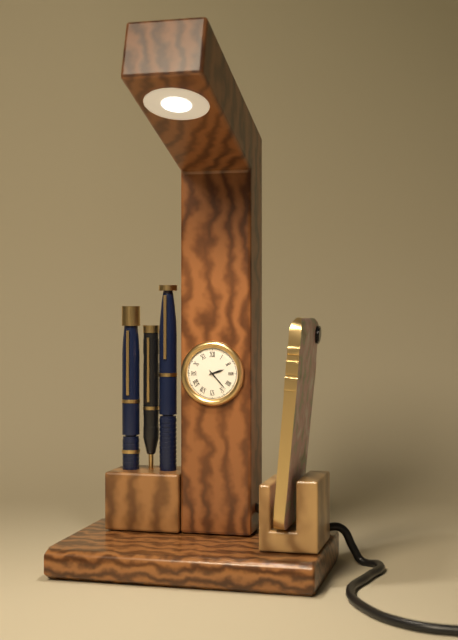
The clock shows 2h23
